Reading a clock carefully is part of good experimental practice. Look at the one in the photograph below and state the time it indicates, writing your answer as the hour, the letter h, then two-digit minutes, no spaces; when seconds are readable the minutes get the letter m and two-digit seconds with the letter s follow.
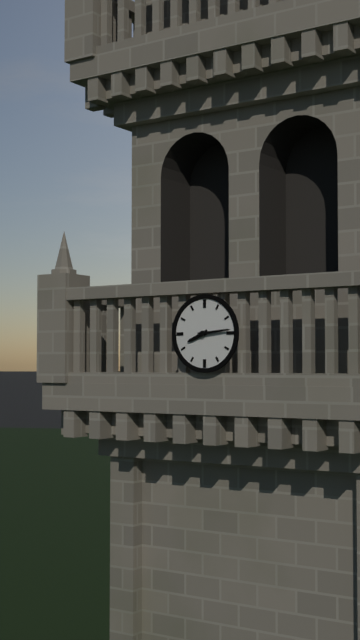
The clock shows 8h14
